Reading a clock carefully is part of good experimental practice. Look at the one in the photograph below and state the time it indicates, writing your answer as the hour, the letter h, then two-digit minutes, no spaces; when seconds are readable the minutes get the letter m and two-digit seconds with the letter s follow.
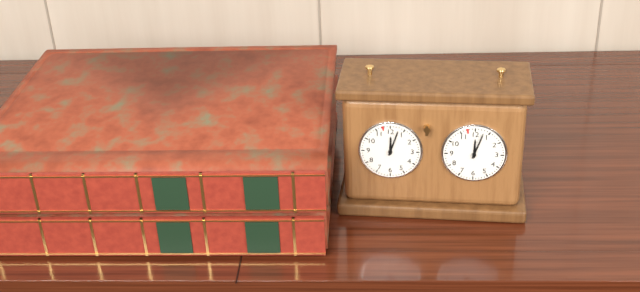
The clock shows 12h03
